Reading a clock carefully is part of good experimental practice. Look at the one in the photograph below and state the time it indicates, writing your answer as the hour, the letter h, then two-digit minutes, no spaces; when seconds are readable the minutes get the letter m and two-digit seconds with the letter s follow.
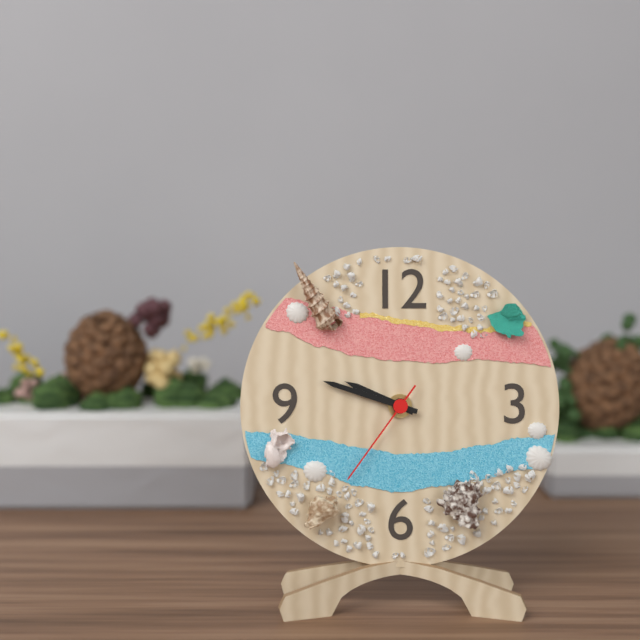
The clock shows 9h48m36s
